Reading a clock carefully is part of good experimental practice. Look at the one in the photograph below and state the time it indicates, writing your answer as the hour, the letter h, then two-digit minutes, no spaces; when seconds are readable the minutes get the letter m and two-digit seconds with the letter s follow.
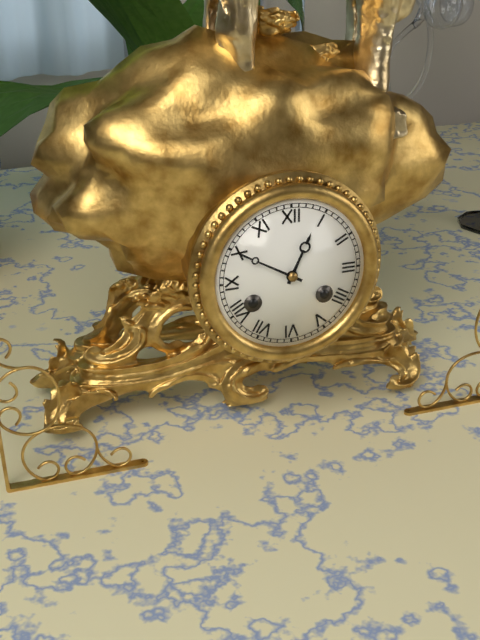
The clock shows 12h50
